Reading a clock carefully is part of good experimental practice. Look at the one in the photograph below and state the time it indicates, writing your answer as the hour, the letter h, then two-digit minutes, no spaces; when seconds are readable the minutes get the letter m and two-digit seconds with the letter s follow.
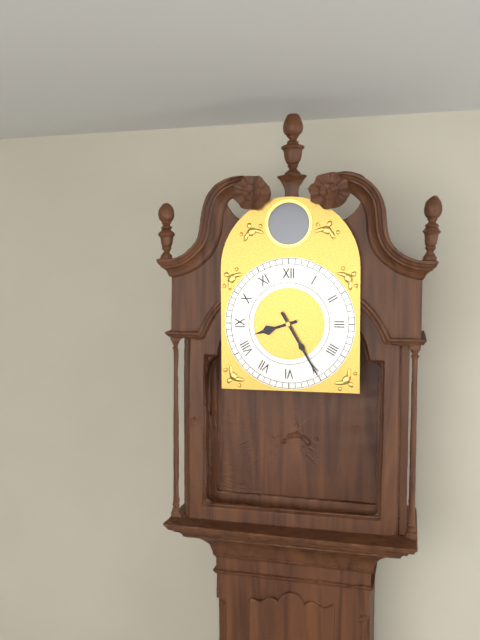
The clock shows 8h25
